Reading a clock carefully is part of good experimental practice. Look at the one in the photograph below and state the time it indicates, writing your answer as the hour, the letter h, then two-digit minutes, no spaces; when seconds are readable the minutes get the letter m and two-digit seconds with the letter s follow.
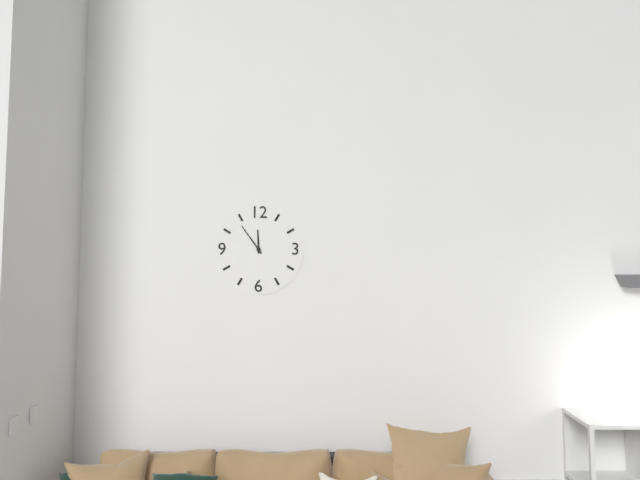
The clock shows 11h54
